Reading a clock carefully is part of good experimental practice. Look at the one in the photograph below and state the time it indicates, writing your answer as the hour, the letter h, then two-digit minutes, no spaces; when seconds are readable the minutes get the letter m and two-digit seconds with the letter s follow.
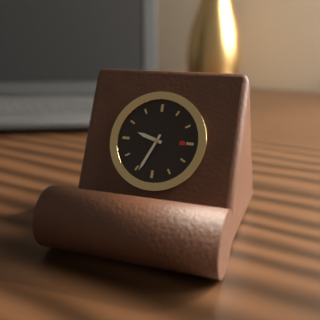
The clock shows 9h34
